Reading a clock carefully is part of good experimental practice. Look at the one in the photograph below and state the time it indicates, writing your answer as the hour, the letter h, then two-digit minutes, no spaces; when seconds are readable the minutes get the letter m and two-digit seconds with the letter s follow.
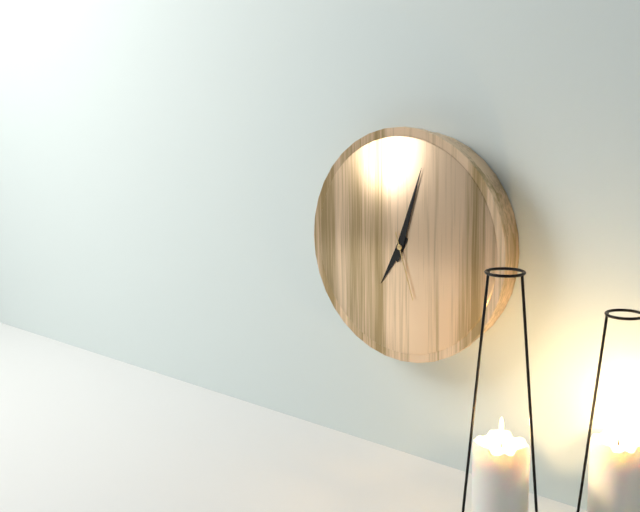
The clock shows 7h03m27s
